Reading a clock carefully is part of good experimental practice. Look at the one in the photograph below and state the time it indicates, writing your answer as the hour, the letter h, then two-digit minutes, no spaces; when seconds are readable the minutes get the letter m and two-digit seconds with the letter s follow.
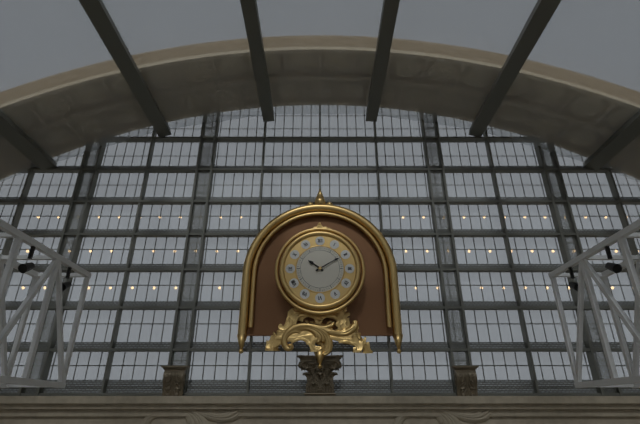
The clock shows 10h10
